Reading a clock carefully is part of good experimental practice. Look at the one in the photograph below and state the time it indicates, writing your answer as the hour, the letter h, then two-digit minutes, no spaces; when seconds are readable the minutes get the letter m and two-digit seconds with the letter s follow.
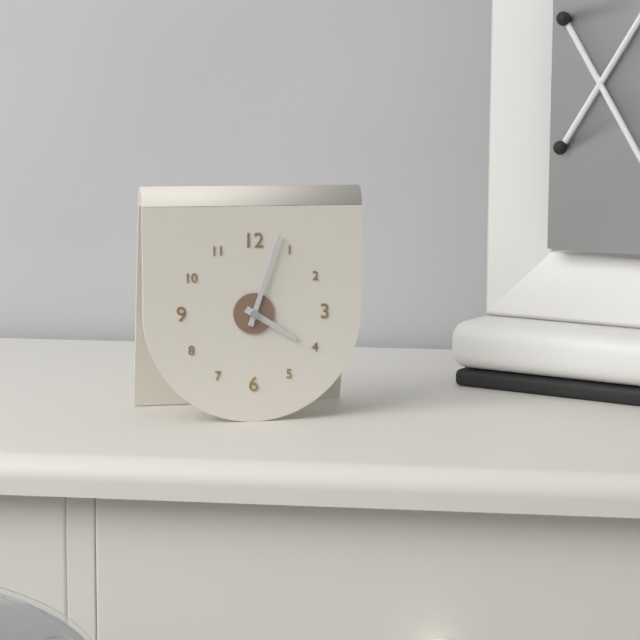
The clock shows 4h03
